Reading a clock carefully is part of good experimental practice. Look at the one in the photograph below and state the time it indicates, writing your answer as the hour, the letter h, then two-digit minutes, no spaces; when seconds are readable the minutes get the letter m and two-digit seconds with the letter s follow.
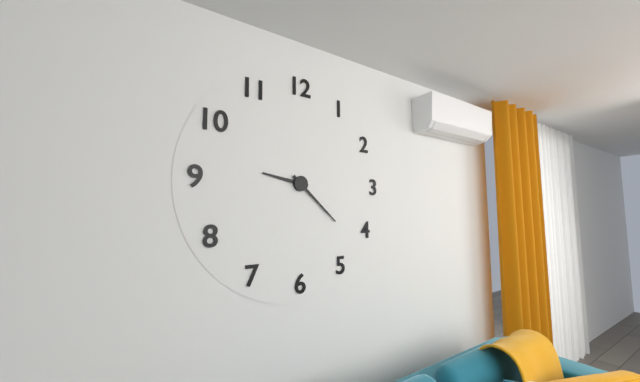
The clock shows 9h22
